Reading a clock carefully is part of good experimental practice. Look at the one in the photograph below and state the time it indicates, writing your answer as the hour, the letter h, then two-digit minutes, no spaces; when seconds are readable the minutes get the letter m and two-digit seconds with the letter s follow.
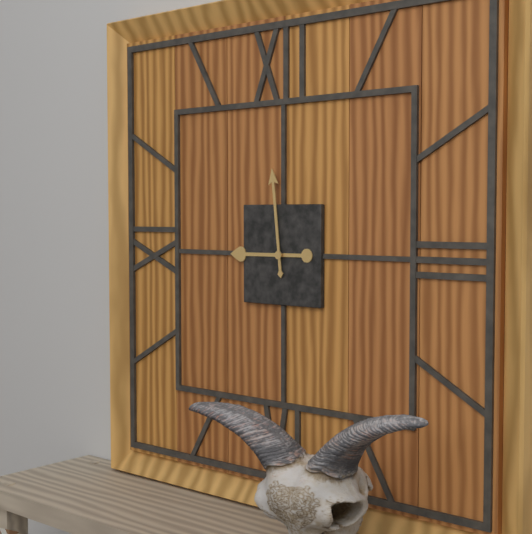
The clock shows 8h59
